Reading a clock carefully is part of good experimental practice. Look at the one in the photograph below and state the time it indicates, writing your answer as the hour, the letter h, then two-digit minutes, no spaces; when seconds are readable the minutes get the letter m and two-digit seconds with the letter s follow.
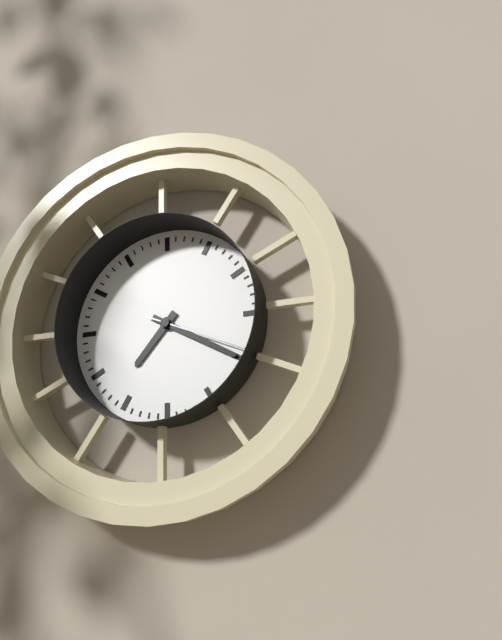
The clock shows 7h20m19s
